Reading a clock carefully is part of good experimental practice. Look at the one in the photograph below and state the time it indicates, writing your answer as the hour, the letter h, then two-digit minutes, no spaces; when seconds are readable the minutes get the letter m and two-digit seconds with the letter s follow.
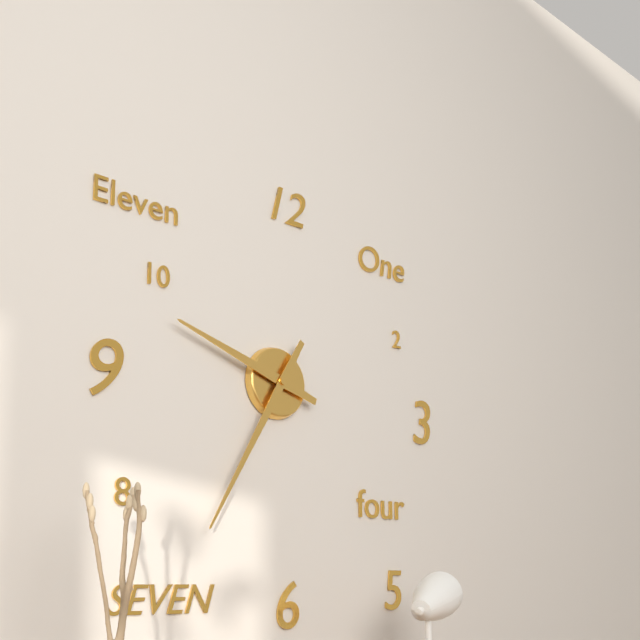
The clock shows 9h35
